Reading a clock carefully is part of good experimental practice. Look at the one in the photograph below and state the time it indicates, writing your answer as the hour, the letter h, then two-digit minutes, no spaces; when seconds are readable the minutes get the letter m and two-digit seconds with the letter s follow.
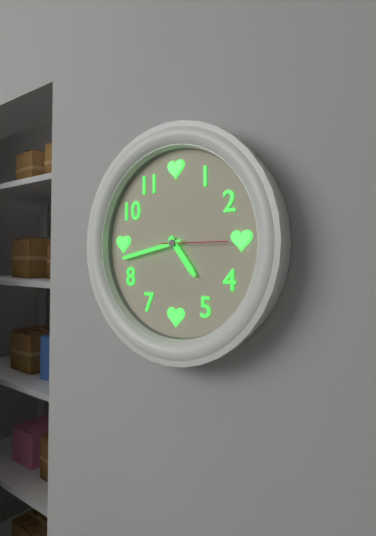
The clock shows 4h43m15s
